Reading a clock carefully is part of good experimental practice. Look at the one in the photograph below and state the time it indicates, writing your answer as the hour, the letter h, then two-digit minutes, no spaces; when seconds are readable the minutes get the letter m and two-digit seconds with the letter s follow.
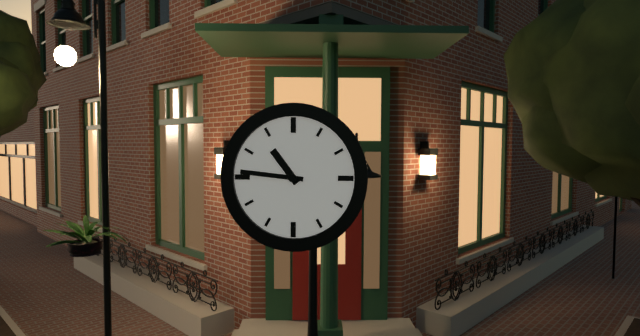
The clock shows 10h46
